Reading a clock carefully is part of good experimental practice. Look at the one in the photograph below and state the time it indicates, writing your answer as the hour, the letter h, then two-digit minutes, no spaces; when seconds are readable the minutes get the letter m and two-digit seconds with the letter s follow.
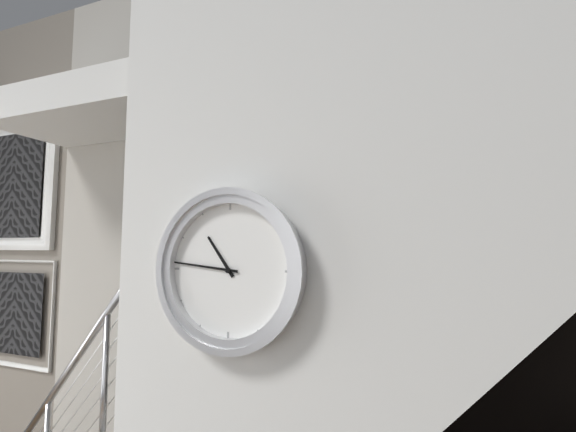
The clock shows 10h46
